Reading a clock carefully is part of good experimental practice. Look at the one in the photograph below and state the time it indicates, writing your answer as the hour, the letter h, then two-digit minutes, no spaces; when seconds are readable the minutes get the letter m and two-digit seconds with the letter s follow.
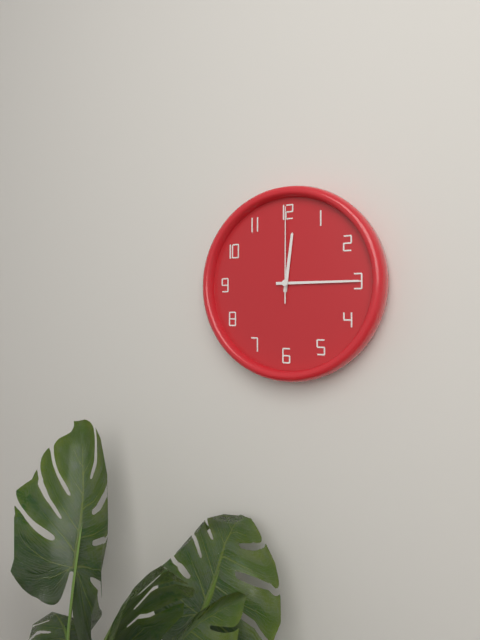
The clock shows 12h15m00s
